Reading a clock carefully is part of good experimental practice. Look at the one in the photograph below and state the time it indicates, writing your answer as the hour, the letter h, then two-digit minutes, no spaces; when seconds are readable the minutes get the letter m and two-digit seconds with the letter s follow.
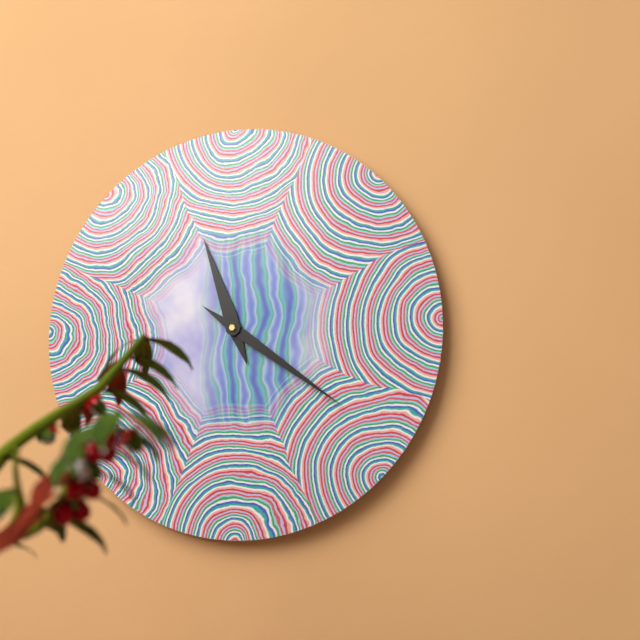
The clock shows 11h21
